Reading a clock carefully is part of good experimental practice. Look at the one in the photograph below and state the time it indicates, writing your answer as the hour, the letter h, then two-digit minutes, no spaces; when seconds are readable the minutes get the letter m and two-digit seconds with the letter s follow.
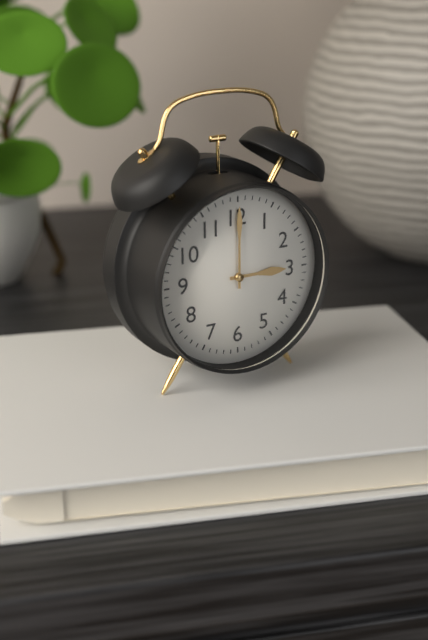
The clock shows 3h00
